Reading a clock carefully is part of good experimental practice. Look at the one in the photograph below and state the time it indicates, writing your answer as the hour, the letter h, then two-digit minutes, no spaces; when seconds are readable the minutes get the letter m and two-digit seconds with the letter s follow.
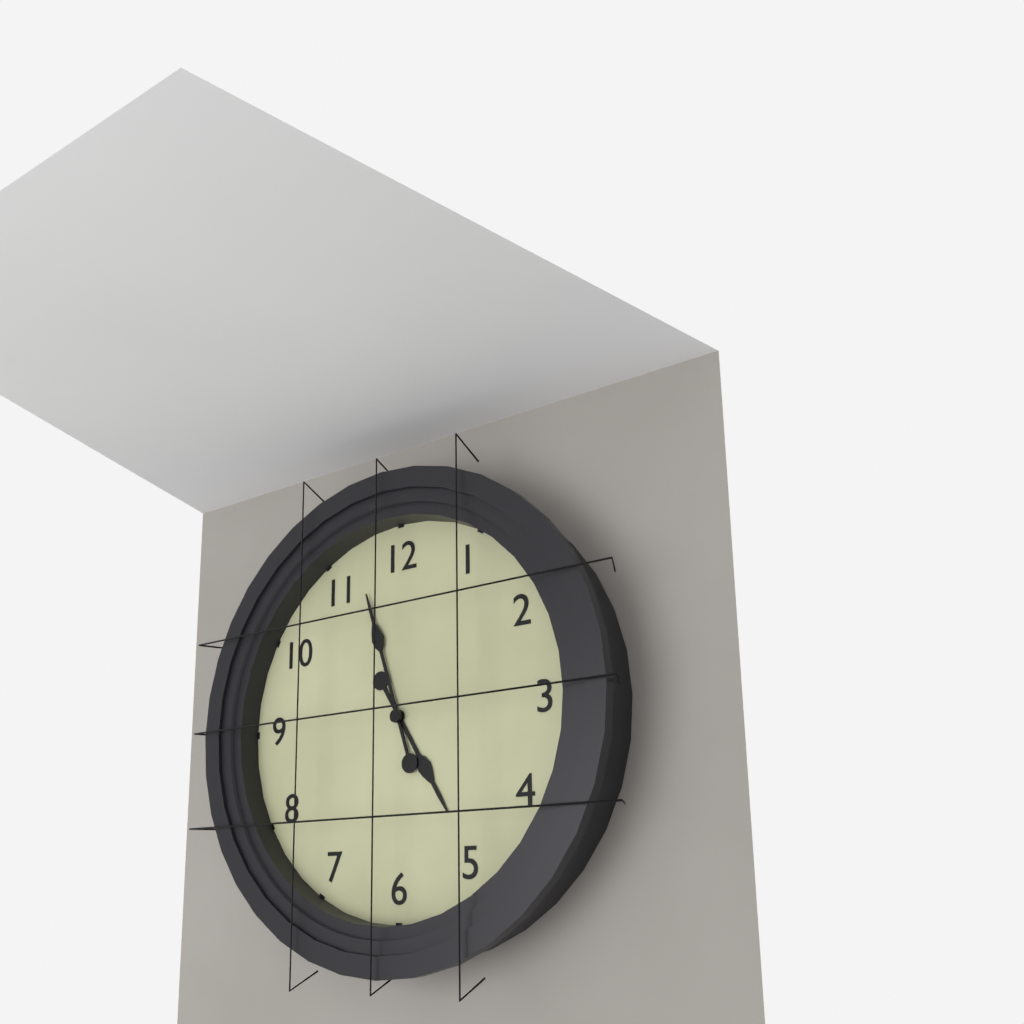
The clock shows 4h57
